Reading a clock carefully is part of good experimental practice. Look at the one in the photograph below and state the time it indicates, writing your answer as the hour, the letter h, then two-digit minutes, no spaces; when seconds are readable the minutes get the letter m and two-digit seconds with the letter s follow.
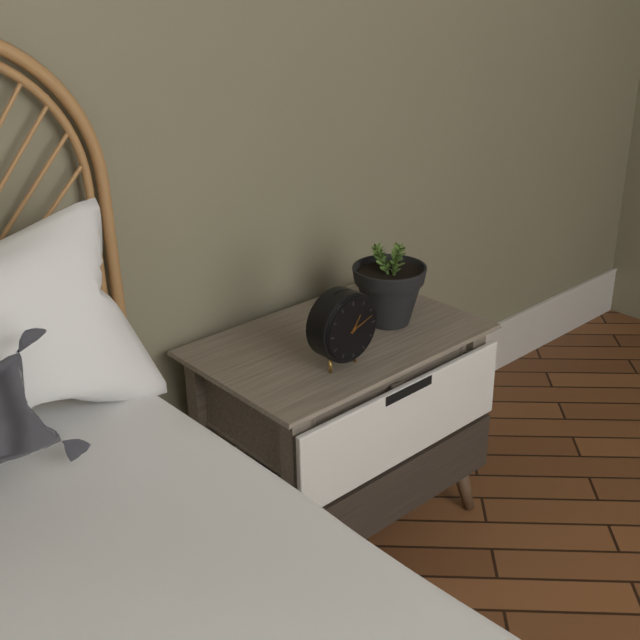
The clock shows 1h12
